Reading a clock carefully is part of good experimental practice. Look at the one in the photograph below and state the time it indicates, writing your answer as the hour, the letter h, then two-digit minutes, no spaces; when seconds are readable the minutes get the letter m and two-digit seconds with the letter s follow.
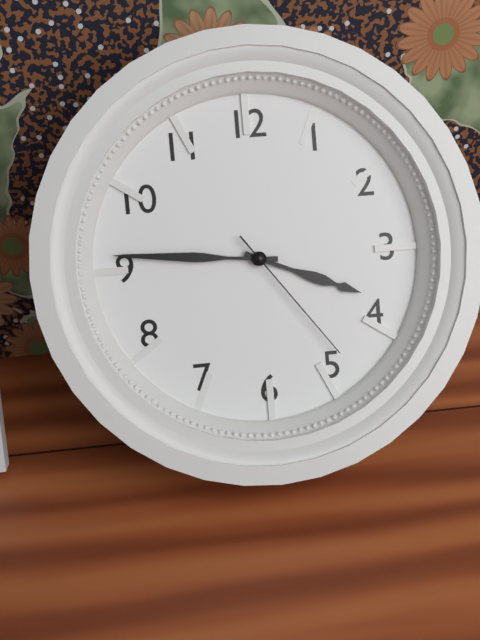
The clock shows 3h46m24s
